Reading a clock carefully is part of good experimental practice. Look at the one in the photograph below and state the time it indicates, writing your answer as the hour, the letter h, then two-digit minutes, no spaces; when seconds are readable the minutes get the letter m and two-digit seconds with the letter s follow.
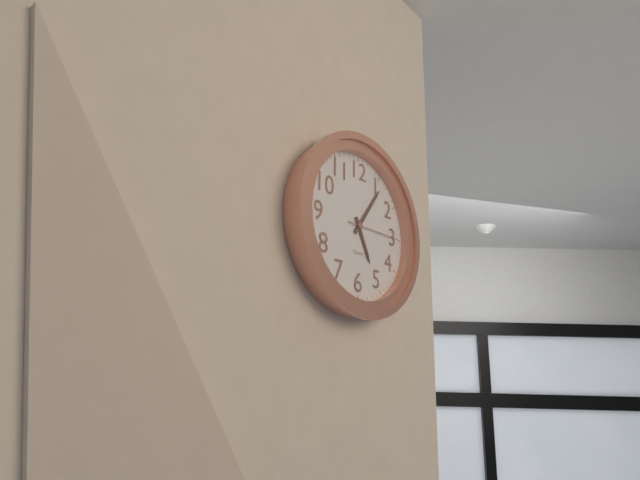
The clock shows 5h06m15s
